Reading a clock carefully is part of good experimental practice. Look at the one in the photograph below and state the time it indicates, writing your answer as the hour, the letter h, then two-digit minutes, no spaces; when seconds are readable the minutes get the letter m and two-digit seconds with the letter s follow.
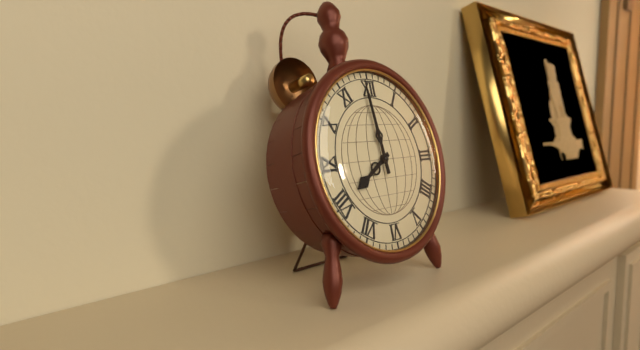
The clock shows 7h59
